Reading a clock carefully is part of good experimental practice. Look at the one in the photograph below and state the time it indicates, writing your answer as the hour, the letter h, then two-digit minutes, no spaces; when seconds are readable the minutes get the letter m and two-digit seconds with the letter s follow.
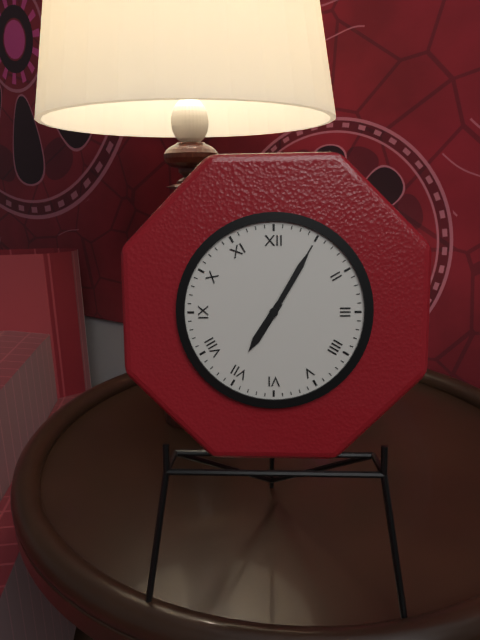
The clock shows 7h05
